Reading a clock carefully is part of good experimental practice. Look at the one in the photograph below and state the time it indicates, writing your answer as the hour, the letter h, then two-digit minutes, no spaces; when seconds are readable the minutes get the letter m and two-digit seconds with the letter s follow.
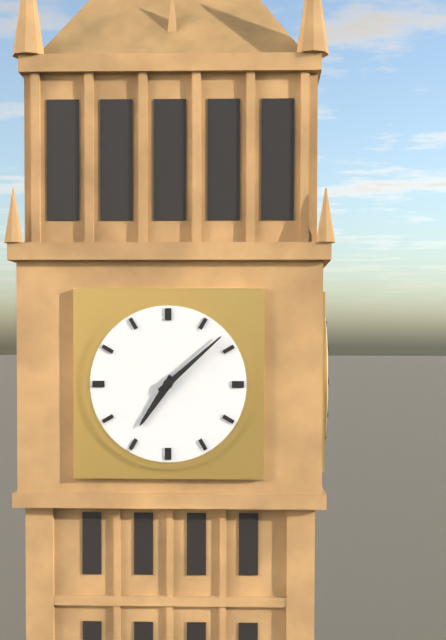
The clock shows 7h08
